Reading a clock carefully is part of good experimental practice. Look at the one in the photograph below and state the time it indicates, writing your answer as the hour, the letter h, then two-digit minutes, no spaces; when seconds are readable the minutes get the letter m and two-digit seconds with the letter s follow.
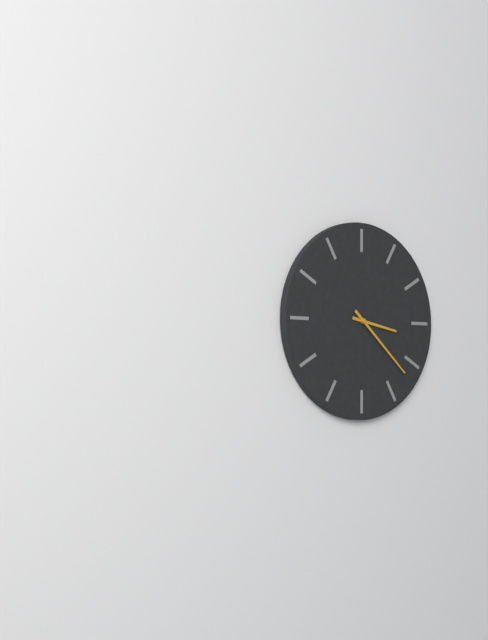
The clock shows 3h22
